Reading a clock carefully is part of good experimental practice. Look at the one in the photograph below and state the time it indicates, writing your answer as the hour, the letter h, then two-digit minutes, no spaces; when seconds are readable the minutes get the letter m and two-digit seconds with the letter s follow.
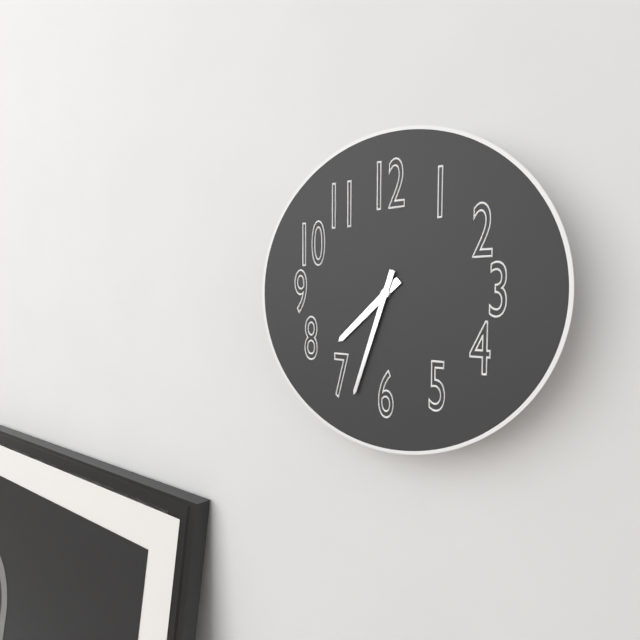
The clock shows 7h33
